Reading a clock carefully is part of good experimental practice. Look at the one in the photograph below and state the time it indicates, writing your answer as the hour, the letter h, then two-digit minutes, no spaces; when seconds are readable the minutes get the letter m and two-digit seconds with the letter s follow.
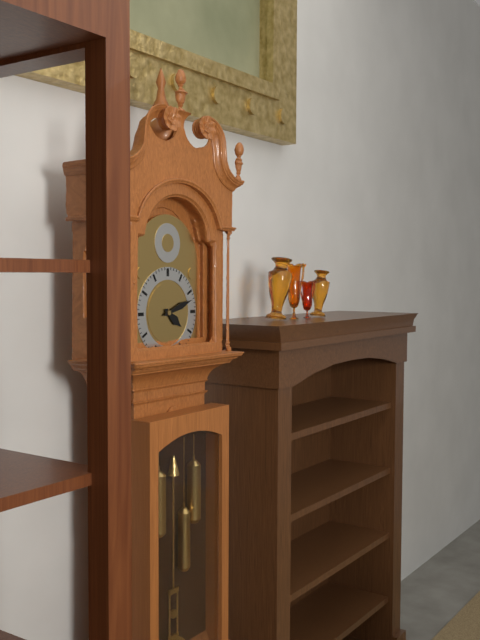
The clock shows 4h12
